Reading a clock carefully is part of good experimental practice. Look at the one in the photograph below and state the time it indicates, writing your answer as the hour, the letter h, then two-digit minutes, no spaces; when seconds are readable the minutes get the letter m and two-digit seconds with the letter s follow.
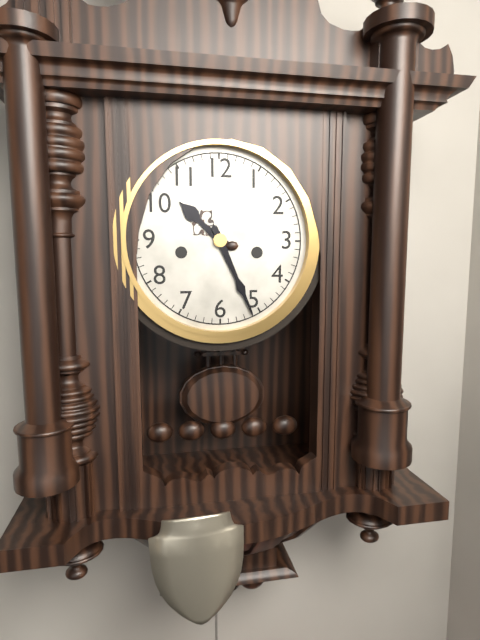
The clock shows 10h26
